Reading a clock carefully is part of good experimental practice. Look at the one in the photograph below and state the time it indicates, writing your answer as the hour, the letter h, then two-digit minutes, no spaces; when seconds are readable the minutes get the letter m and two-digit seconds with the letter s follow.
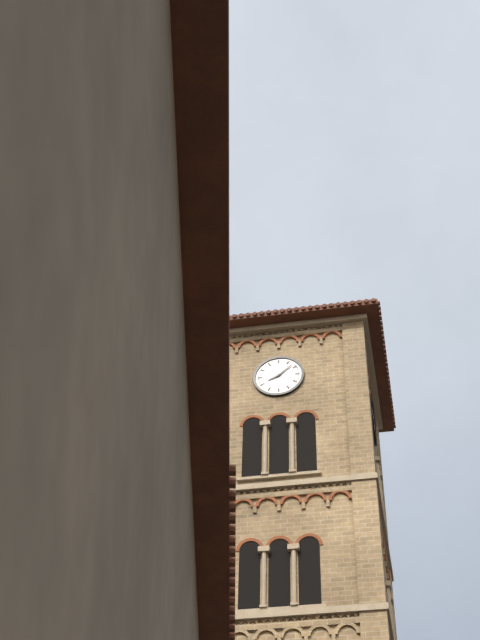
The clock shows 8h08
